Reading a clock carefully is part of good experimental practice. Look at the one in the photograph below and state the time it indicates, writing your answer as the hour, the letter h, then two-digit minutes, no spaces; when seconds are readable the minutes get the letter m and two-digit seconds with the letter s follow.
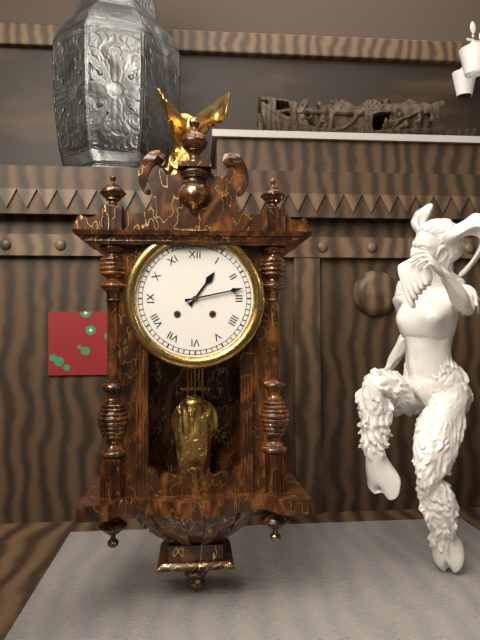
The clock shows 1h13
